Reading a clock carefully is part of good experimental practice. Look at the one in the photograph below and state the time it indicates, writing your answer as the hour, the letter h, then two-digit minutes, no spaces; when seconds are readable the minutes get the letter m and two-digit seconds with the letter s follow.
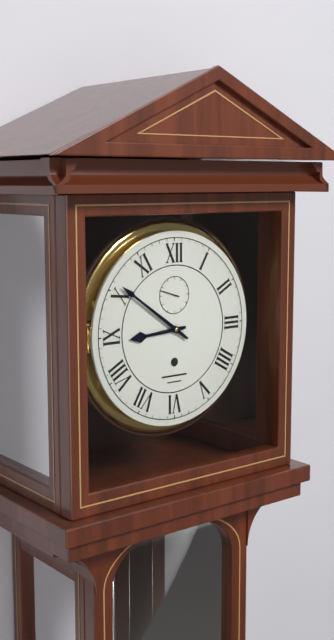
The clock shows 8h51
